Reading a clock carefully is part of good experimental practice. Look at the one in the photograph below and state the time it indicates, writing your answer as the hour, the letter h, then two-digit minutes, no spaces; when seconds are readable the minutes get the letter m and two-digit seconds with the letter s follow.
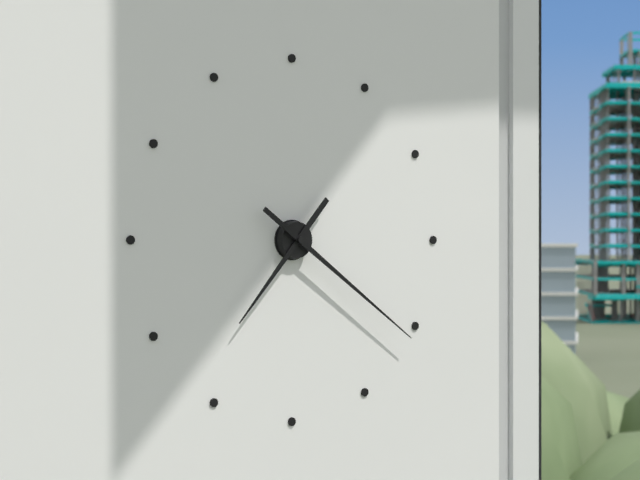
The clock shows 7h21
